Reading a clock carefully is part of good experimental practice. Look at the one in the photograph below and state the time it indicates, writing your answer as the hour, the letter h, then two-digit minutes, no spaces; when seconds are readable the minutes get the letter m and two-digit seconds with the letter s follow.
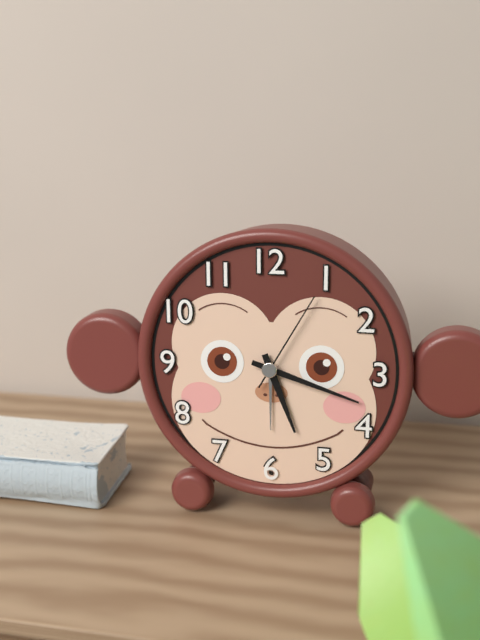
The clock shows 5h18m05s
